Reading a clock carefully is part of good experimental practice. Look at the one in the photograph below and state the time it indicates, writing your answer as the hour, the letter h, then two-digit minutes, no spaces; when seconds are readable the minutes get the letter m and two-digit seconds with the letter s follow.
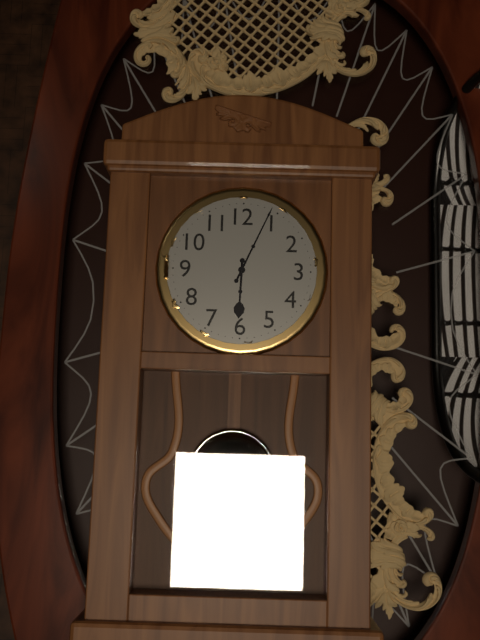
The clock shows 6h04
